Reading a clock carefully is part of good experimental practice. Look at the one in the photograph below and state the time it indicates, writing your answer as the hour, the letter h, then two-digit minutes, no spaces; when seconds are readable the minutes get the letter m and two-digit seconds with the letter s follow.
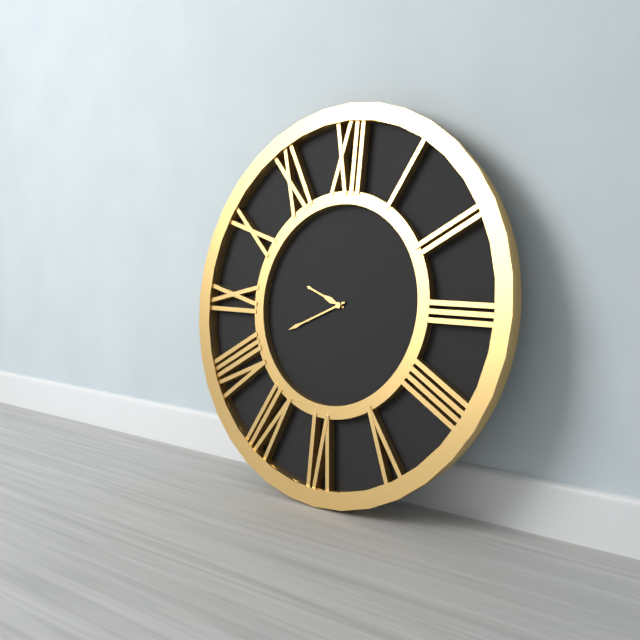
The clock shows 9h41
